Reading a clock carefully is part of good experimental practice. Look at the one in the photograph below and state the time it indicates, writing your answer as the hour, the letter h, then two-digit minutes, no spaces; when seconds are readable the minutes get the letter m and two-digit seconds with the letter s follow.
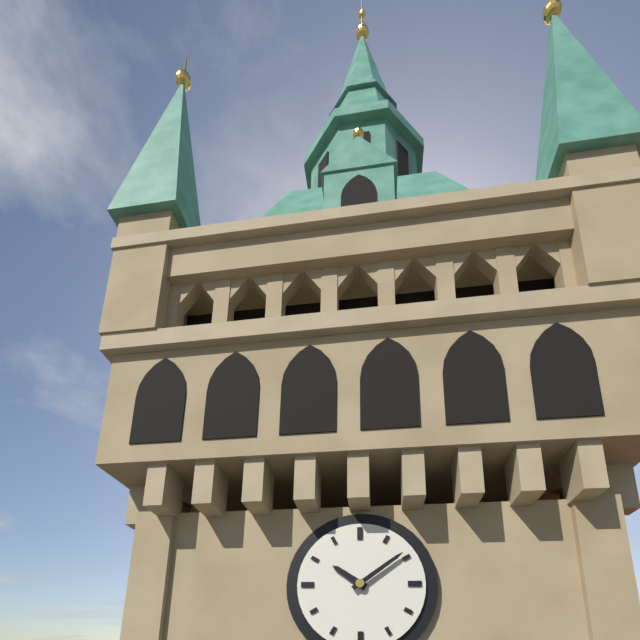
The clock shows 10h09
